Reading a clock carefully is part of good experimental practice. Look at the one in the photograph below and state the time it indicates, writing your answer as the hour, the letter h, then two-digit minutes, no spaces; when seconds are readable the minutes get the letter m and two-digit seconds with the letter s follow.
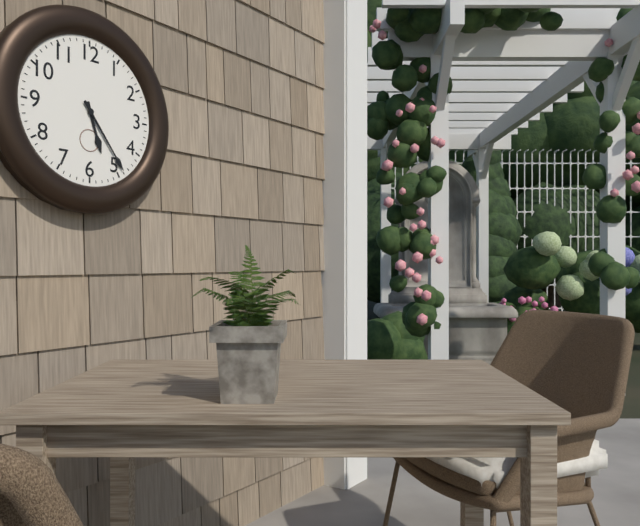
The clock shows 5h24
